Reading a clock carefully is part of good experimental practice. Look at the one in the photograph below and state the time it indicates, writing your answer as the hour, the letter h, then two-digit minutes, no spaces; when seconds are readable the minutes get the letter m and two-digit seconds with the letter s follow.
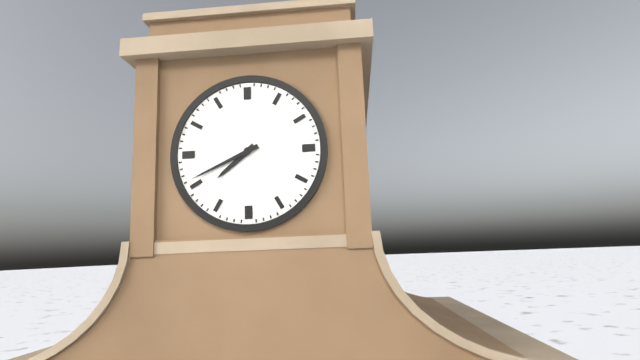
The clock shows 7h41
